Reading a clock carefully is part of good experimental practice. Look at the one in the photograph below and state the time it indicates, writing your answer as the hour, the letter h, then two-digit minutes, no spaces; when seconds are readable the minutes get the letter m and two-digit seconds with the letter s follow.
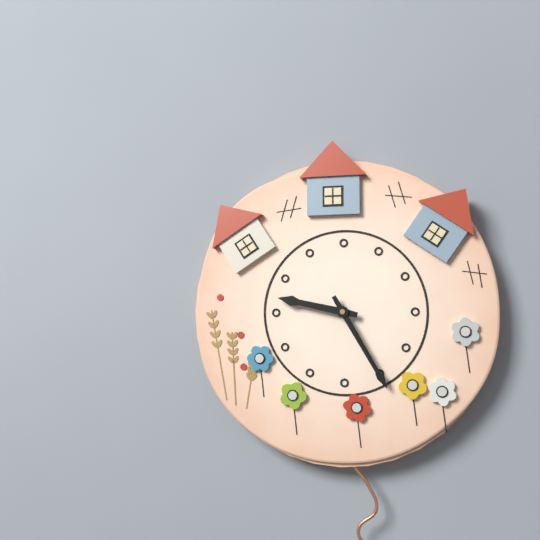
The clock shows 9h25
